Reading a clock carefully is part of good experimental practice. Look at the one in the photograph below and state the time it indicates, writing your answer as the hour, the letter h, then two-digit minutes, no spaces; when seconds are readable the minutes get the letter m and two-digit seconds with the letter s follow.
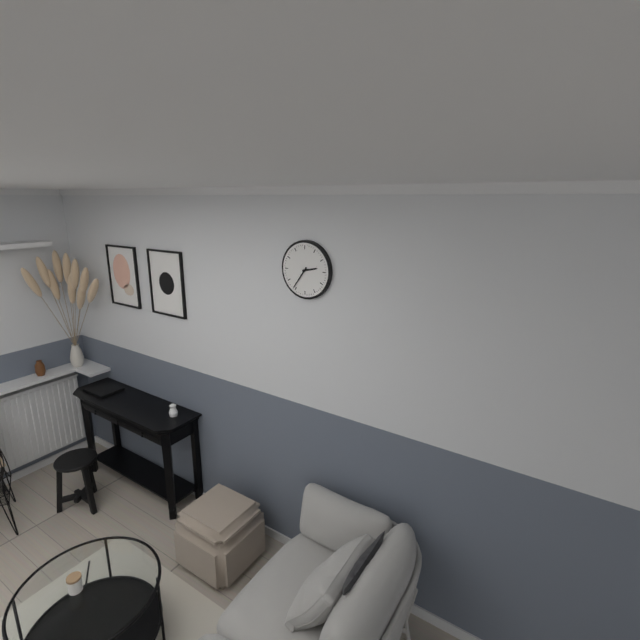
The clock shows 2h36
